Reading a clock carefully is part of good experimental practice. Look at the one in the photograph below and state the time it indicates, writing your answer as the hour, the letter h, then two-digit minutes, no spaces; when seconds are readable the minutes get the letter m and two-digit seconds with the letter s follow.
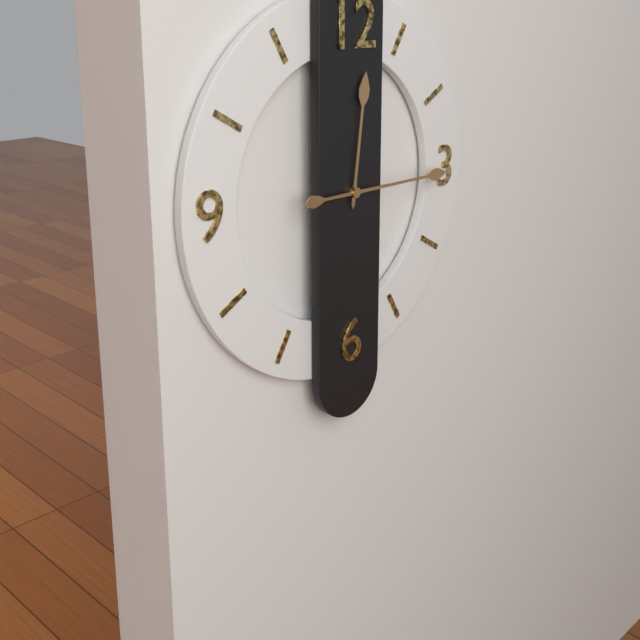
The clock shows 12h15
